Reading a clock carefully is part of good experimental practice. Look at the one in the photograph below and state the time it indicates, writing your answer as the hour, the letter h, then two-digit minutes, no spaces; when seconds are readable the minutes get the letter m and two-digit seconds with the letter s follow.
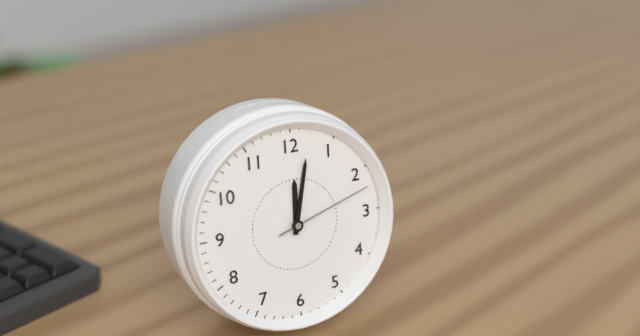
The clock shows 12h02m12s
